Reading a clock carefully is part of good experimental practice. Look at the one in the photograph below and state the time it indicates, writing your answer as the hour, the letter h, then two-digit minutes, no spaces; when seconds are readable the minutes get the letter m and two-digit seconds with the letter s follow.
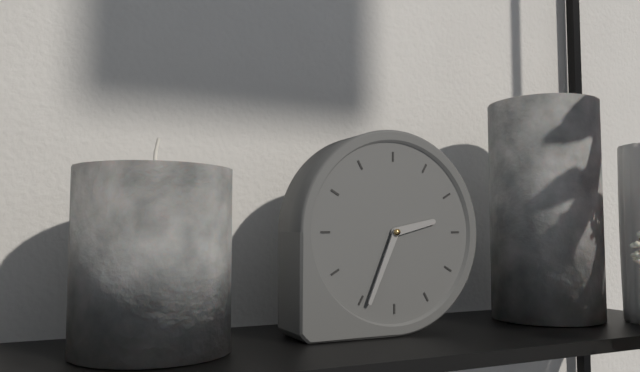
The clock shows 2h34
